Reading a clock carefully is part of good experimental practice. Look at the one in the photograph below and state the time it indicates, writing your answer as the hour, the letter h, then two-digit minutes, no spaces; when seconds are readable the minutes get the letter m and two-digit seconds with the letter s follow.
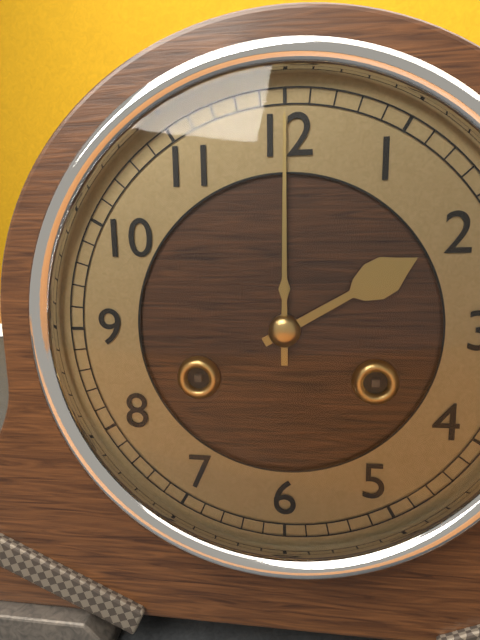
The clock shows 2h00
